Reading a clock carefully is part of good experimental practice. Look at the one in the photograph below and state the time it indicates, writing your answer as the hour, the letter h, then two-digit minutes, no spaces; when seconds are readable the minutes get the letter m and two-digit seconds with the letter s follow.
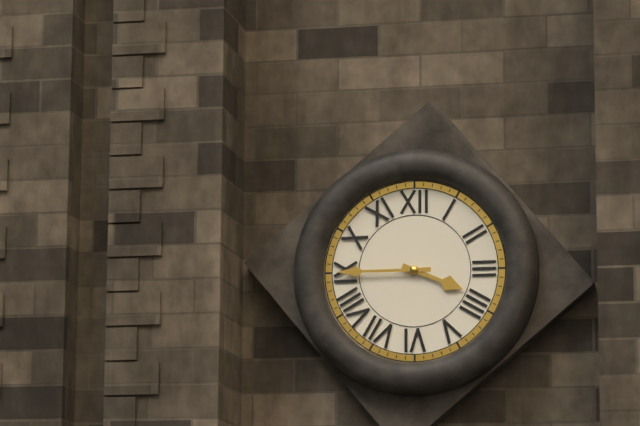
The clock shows 3h45
